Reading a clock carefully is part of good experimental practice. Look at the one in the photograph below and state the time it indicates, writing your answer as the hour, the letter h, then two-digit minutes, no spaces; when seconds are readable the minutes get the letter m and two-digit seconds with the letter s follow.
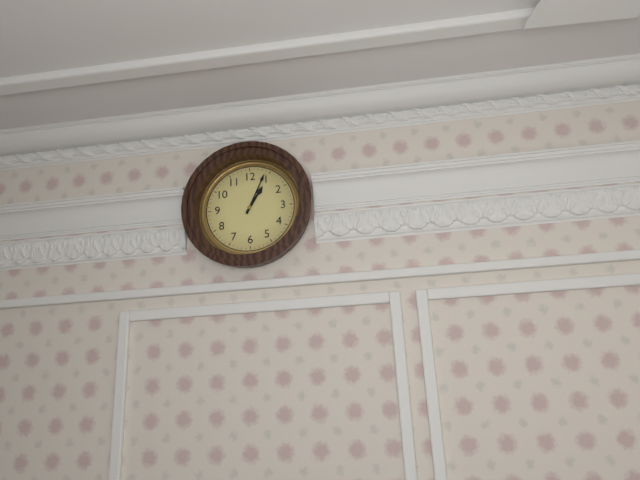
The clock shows 1h04
